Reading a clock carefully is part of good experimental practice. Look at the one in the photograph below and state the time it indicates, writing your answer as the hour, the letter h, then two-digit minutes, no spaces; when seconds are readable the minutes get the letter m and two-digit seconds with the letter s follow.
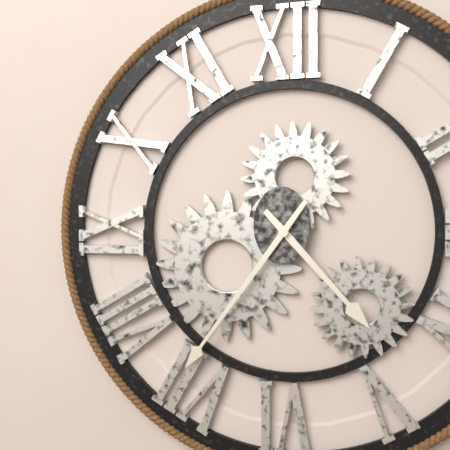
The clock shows 4h36
